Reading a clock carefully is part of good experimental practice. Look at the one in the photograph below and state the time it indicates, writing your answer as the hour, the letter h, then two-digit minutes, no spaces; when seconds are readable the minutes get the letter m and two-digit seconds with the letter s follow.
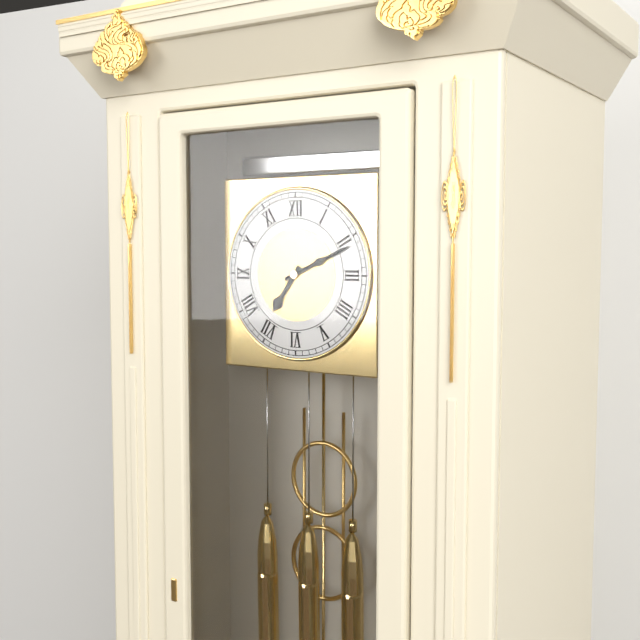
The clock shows 7h11
